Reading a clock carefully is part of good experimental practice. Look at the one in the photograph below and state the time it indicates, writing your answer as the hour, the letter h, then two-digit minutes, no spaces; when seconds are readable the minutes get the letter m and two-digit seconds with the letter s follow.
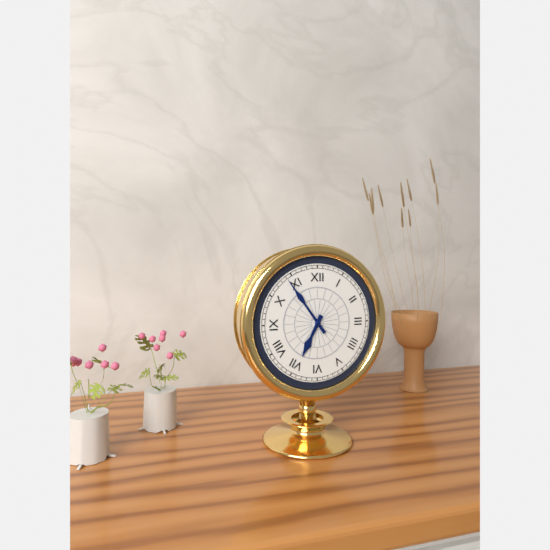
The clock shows 6h54
